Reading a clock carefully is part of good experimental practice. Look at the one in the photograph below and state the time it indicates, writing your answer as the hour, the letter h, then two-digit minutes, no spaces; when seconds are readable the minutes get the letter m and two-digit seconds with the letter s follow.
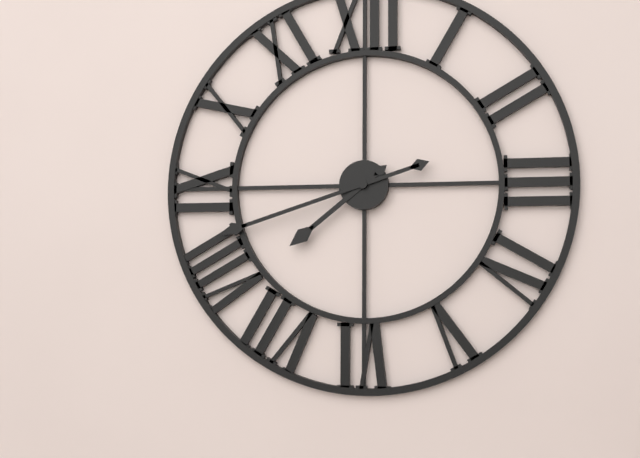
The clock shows 7h42
